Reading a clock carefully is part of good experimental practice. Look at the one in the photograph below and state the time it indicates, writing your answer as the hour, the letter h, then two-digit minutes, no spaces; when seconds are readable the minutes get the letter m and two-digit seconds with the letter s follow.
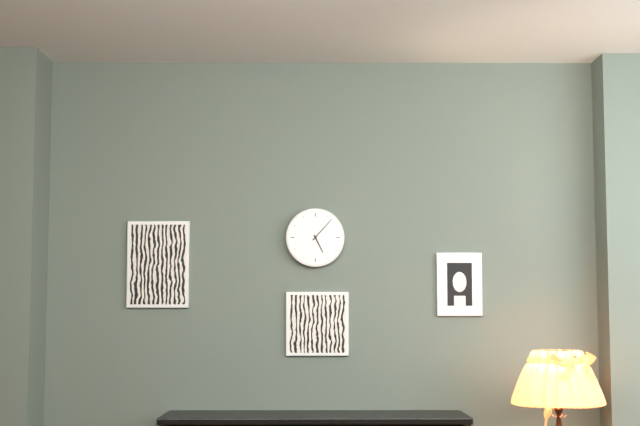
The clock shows 5h07
